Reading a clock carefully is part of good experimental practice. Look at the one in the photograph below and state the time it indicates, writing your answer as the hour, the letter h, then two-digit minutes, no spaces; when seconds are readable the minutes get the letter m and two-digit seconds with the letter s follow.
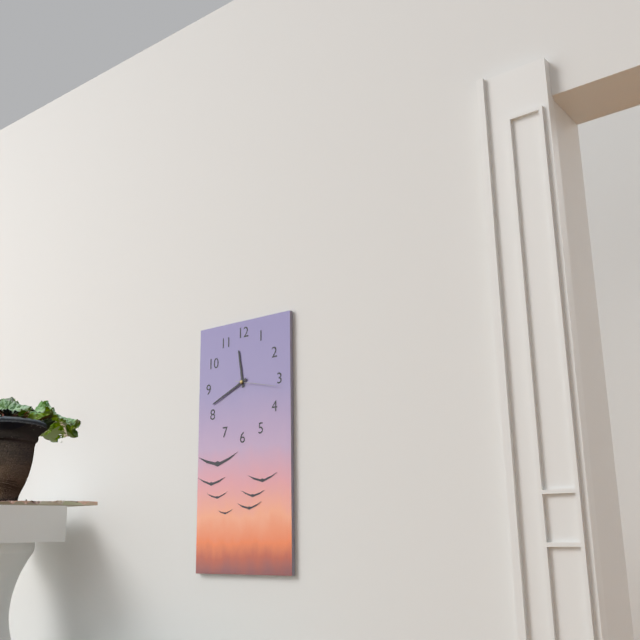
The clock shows 11h41
